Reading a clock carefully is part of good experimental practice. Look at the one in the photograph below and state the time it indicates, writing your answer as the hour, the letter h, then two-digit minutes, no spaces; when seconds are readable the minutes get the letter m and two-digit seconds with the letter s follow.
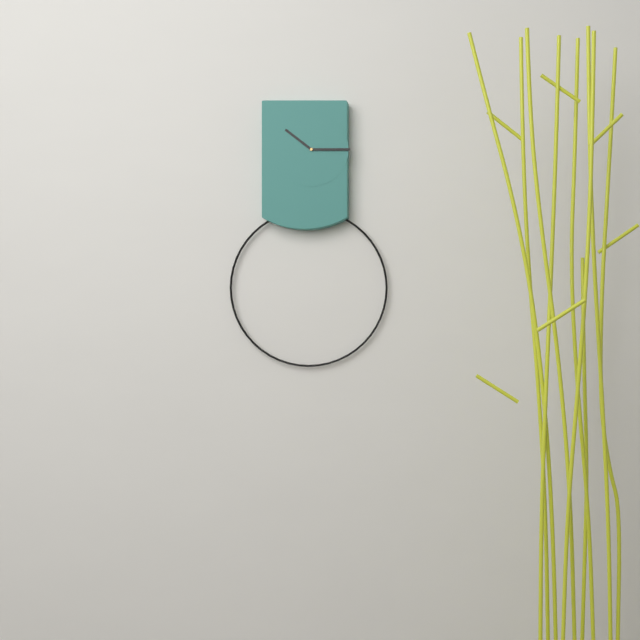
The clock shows 10h15
